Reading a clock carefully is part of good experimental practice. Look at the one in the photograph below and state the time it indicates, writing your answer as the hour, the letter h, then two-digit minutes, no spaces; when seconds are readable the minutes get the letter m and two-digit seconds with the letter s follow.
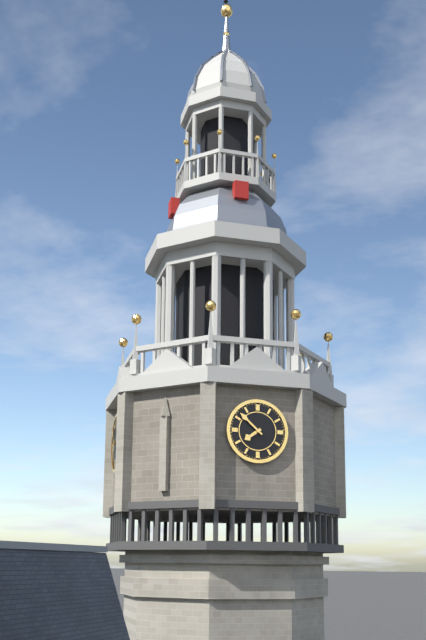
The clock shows 7h52
